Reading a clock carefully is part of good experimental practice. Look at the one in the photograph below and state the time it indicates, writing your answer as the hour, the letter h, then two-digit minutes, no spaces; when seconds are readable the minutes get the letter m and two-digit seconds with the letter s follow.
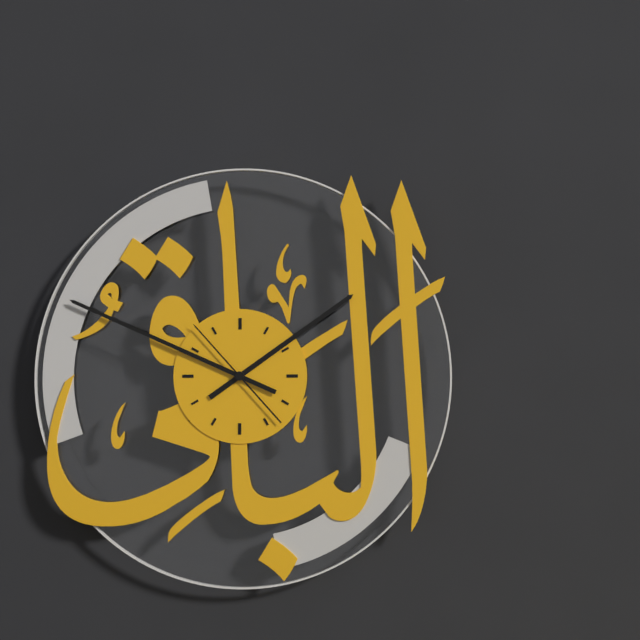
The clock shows 1h49m53s
